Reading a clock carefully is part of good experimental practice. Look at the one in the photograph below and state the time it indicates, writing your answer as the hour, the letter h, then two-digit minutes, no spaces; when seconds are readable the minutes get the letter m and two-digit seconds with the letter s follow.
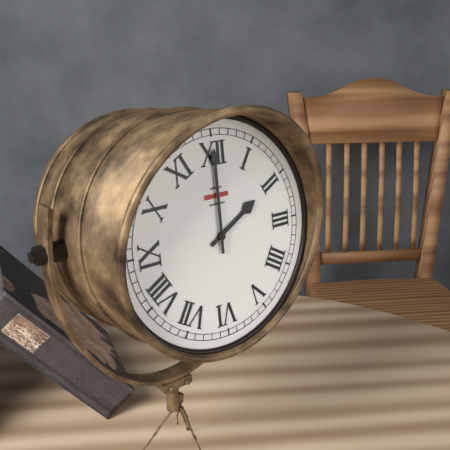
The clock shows 2h00
